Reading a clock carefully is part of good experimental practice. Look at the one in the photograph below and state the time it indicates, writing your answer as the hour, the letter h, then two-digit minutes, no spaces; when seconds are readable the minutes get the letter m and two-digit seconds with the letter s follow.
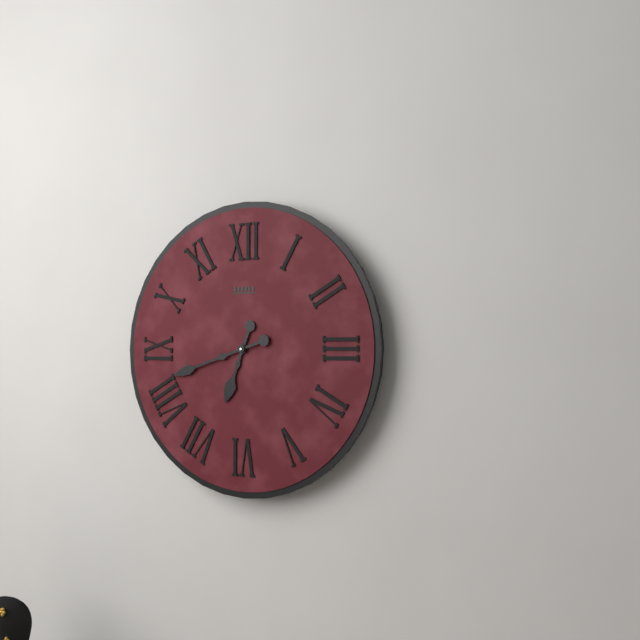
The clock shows 6h42
